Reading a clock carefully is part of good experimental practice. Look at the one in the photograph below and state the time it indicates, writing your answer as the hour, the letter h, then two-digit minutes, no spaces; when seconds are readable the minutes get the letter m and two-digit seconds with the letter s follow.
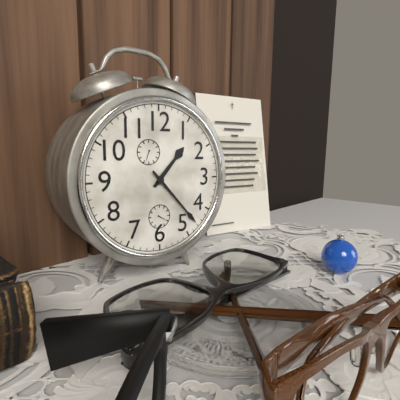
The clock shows 1h23
